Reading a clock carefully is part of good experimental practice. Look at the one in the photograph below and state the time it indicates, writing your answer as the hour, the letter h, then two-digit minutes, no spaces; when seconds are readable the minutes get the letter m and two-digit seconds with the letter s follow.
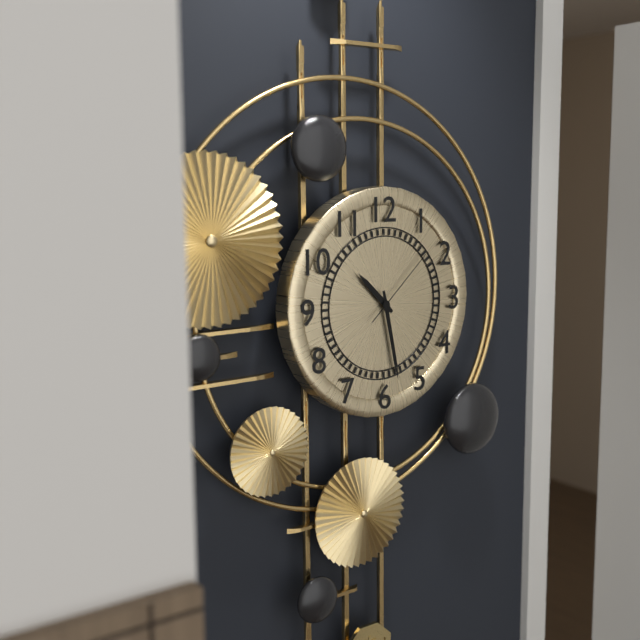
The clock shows 10h28m08s
